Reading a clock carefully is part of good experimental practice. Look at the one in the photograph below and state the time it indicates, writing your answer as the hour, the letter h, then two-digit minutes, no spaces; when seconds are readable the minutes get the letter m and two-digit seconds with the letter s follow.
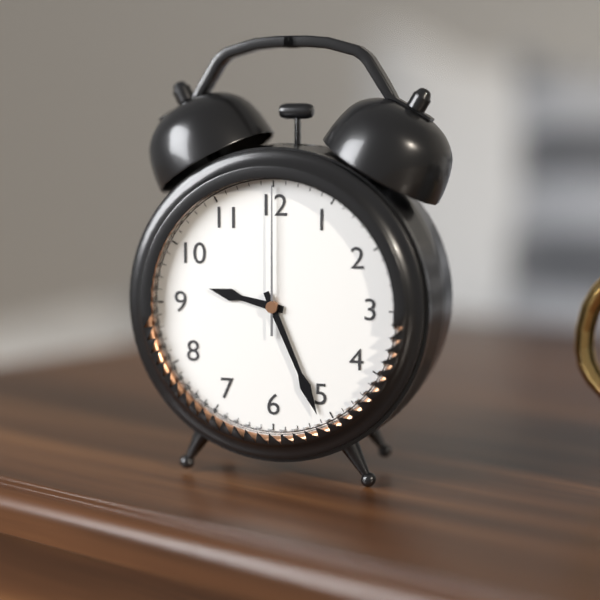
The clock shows 9h26m00s
